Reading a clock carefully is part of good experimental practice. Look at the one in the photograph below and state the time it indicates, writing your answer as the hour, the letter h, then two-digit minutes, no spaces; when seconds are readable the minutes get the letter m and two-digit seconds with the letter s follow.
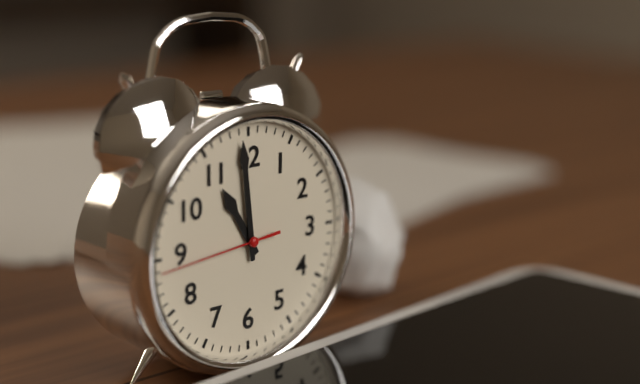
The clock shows 10h59m44s
